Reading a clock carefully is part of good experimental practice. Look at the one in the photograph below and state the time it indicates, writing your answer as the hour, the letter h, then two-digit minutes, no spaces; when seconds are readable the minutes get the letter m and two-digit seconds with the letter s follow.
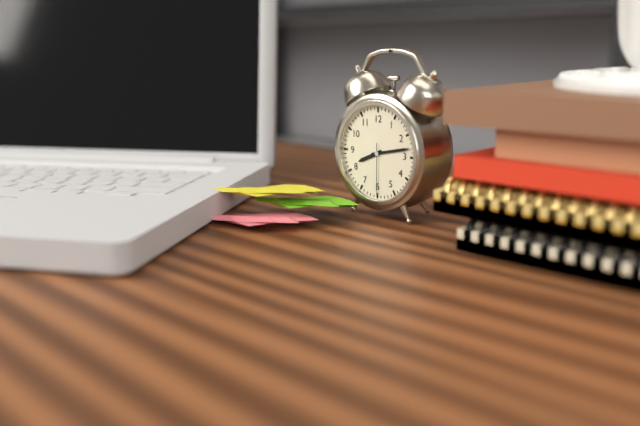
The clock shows 8h13m30s
